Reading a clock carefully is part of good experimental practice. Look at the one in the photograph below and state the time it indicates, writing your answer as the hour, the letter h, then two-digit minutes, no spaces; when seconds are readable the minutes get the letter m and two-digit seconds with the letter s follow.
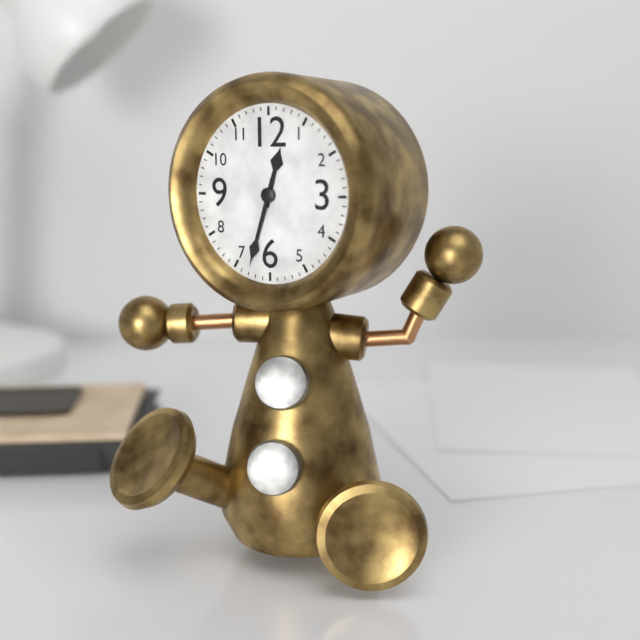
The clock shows 12h33
